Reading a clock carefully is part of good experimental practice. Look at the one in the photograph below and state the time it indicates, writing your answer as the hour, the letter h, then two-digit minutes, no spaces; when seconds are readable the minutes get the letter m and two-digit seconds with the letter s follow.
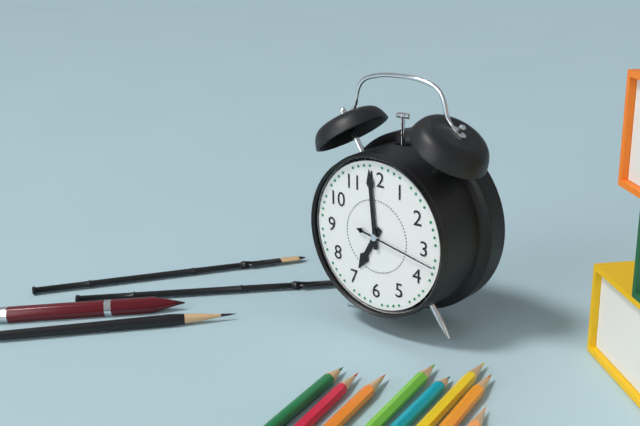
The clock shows 6h59m17s
